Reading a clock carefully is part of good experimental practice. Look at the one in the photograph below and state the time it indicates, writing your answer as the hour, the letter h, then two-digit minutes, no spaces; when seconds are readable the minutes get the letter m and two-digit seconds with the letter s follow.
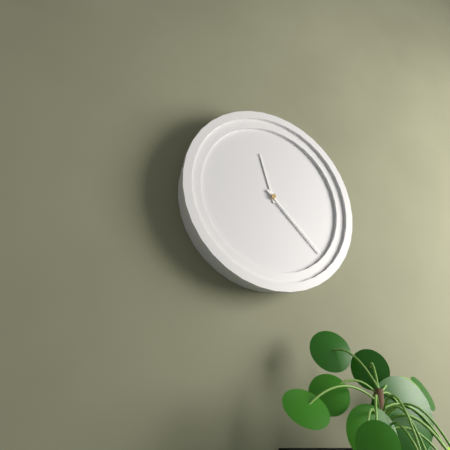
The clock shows 11h22
